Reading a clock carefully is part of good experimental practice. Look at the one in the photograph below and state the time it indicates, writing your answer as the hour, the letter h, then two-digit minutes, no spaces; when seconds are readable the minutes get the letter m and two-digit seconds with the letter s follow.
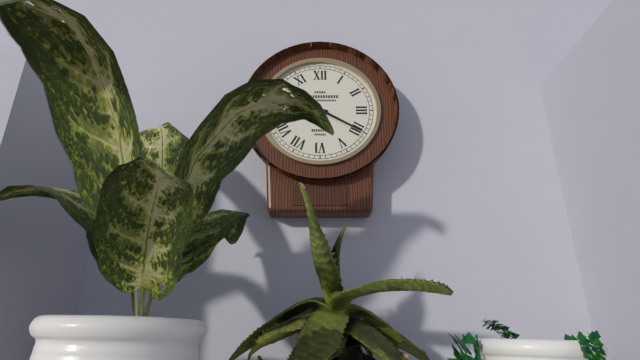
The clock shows 9h20
